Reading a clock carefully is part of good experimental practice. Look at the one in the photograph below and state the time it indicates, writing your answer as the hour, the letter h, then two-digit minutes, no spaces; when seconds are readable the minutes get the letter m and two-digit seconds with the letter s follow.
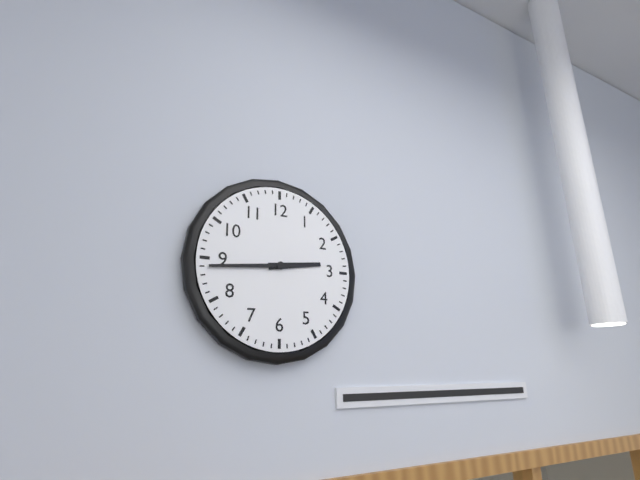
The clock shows 2h44
